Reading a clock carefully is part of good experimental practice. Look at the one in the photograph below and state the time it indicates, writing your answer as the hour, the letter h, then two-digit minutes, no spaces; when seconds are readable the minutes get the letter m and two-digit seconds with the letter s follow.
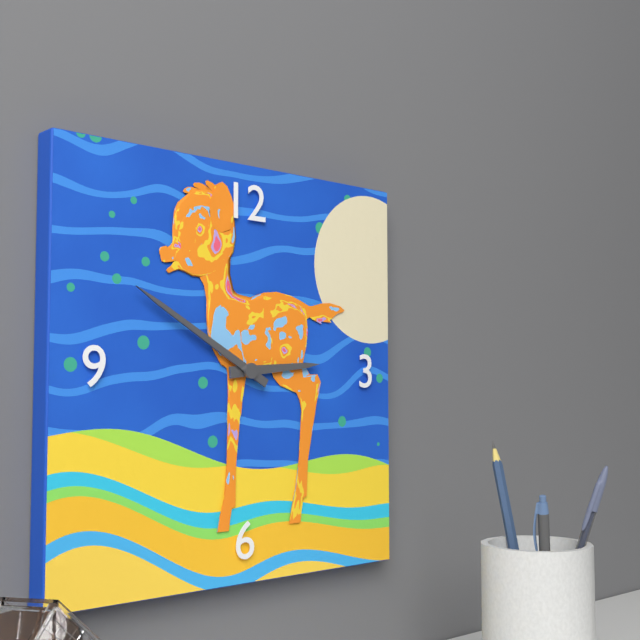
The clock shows 2h50
